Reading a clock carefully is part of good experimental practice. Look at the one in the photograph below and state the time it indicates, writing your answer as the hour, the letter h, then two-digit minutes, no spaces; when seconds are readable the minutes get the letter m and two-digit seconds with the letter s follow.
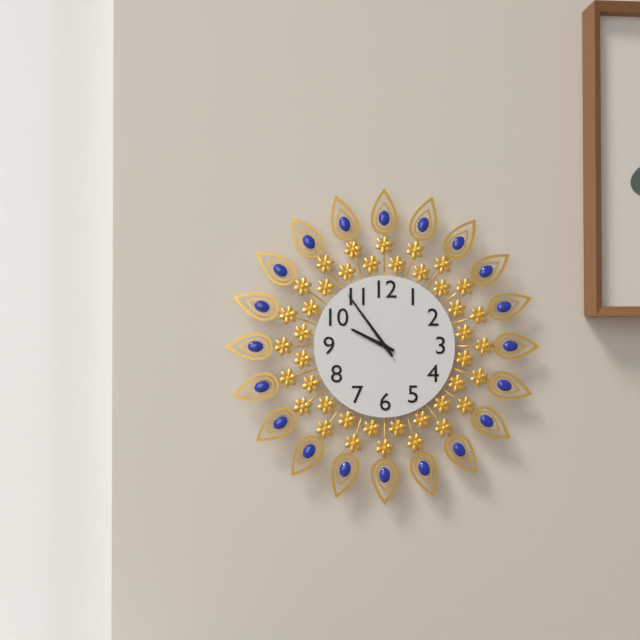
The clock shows 9h54
